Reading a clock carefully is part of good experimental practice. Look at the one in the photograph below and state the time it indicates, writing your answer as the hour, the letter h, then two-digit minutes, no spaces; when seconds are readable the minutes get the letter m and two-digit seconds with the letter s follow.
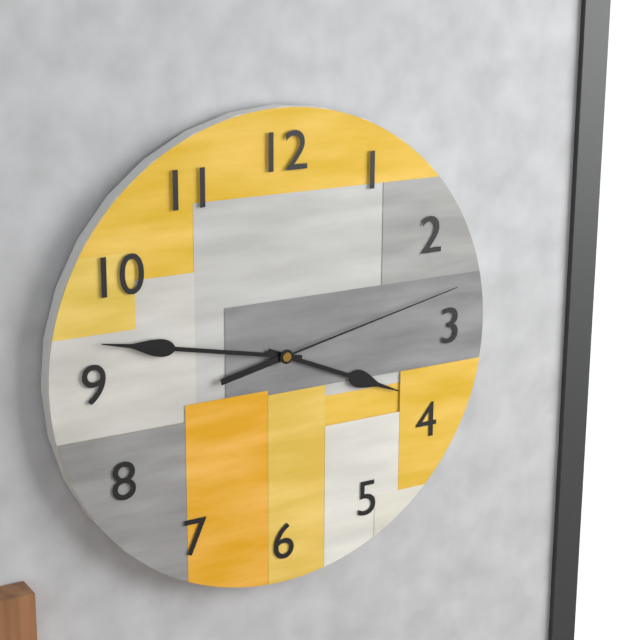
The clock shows 3h47m13s
